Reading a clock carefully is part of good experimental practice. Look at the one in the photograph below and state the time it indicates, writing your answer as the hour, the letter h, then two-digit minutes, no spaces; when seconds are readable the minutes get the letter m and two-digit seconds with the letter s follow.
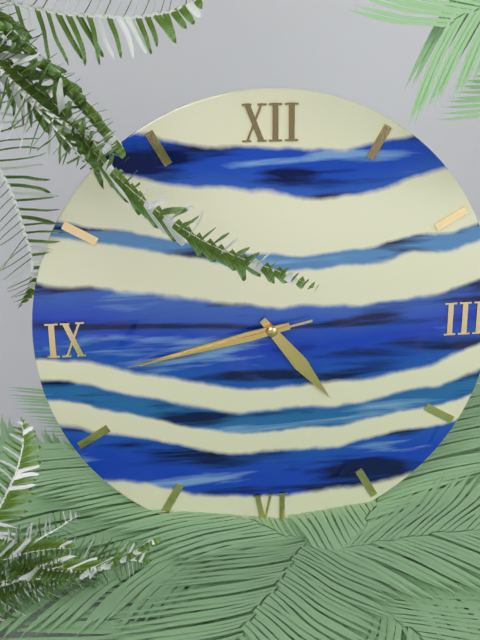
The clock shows 4h43m43s
